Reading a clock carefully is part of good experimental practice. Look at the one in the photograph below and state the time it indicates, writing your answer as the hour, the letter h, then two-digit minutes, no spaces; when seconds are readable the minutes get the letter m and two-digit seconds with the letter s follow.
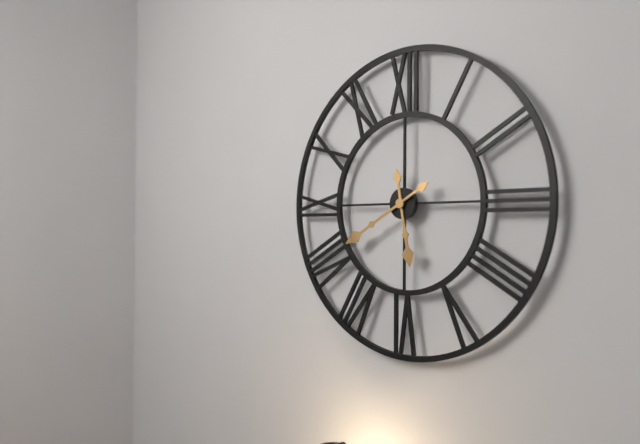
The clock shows 5h40
